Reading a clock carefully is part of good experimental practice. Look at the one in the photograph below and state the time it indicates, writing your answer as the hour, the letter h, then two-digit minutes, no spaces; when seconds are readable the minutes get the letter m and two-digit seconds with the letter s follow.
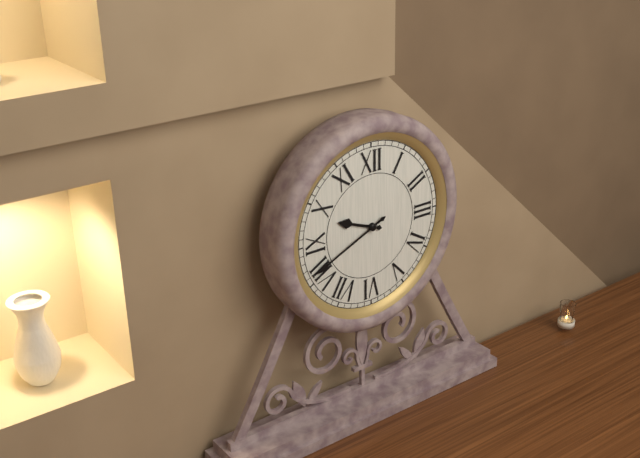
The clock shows 9h41
